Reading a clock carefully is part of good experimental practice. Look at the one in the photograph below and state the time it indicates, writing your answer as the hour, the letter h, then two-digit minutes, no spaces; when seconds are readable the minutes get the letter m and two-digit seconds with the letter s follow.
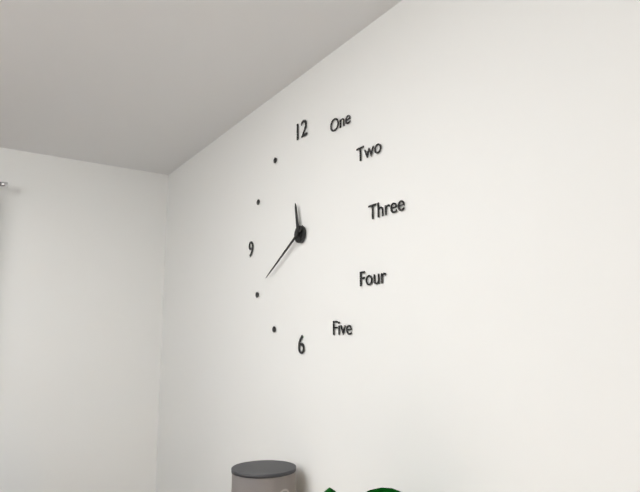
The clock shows 11h40
